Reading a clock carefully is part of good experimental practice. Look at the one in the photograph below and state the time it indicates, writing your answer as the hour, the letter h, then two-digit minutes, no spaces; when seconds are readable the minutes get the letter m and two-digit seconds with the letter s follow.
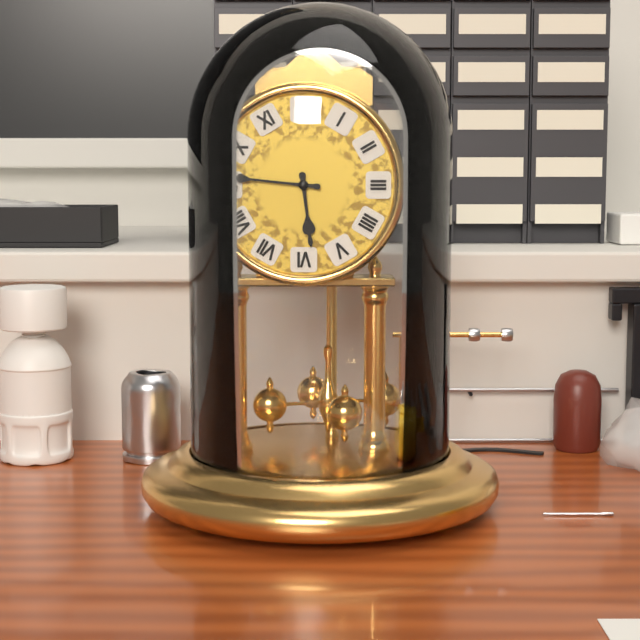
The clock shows 5h46
